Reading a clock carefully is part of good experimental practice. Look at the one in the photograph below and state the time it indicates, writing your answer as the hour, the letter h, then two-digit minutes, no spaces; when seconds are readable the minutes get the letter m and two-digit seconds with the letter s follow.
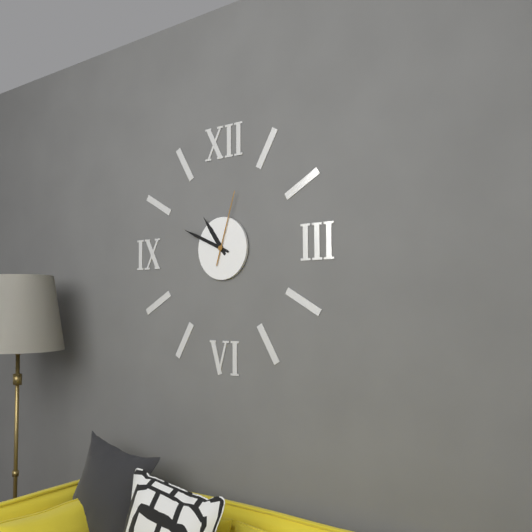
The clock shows 10h49m03s
